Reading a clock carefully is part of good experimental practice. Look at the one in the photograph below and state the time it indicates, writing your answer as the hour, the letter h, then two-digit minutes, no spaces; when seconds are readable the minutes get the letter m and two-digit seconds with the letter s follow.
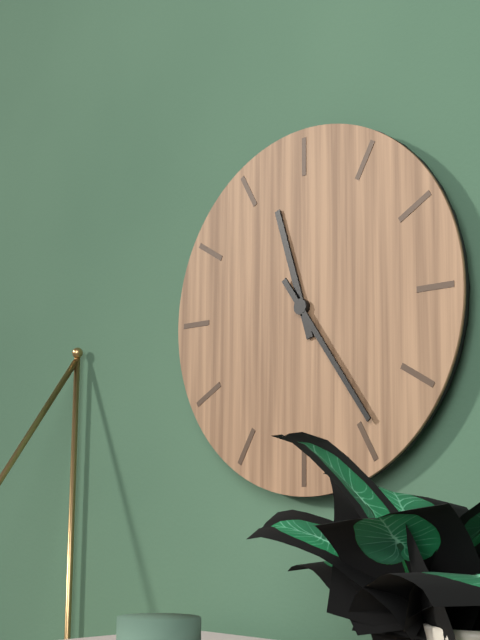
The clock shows 11h24
